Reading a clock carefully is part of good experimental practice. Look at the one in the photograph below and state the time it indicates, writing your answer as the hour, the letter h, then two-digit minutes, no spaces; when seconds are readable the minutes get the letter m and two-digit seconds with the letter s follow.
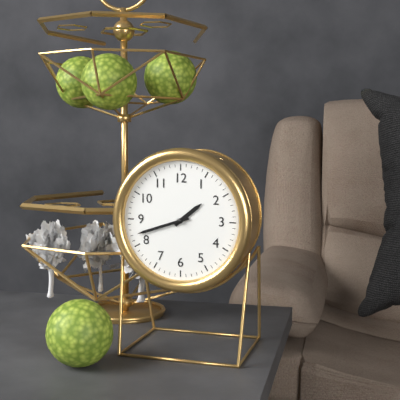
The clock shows 1h42
